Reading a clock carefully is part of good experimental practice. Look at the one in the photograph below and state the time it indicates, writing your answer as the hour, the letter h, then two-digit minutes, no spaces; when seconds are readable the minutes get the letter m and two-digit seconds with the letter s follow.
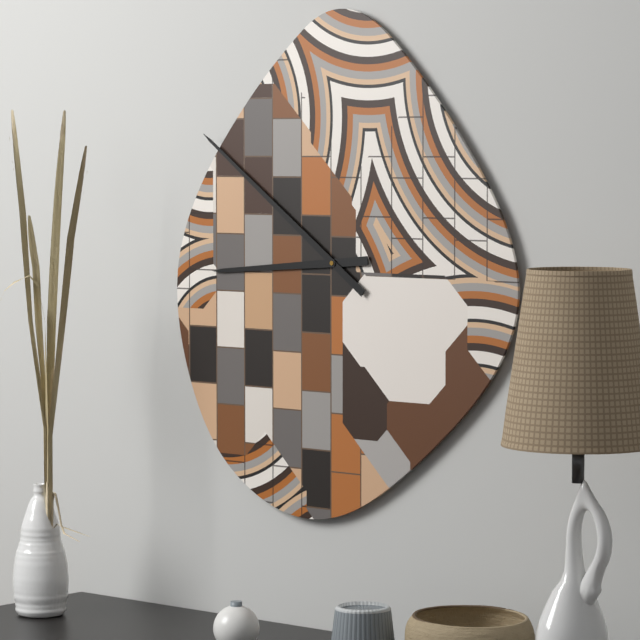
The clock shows 8h51
